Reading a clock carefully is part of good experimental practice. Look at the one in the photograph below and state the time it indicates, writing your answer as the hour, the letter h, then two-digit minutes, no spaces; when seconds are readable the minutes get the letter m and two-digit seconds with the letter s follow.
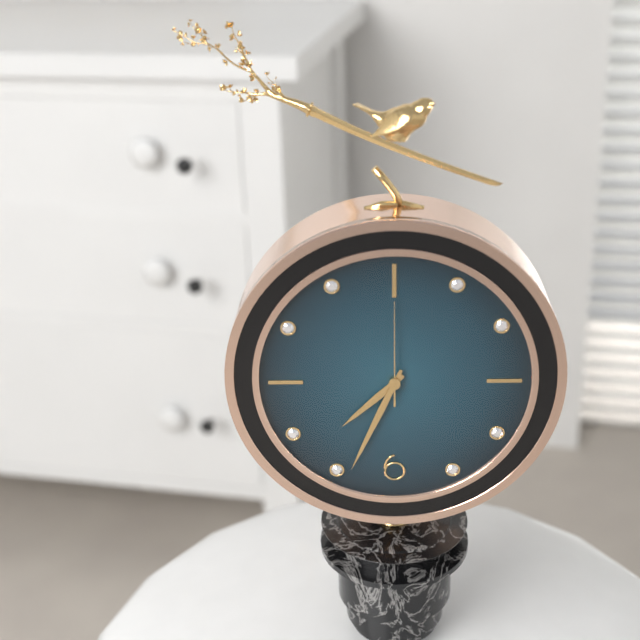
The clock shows 7h34m00s
